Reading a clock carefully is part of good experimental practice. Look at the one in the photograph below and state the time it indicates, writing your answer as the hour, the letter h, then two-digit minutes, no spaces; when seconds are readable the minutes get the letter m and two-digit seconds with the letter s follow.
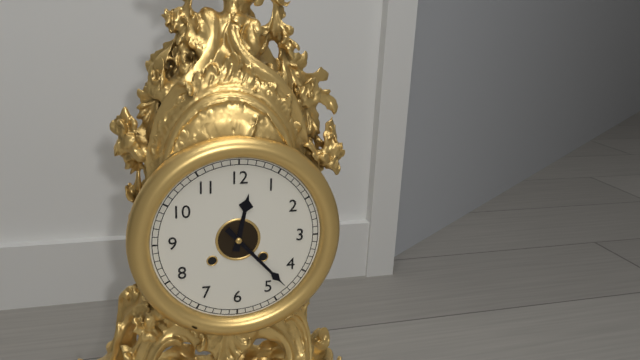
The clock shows 12h23
